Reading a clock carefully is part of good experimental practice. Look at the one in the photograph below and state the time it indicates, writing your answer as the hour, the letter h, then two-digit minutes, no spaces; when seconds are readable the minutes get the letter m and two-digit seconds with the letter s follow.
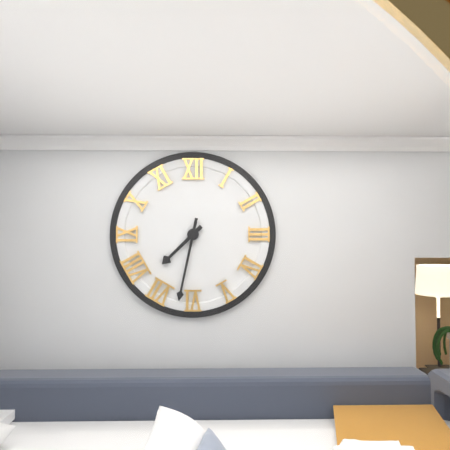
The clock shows 7h32
